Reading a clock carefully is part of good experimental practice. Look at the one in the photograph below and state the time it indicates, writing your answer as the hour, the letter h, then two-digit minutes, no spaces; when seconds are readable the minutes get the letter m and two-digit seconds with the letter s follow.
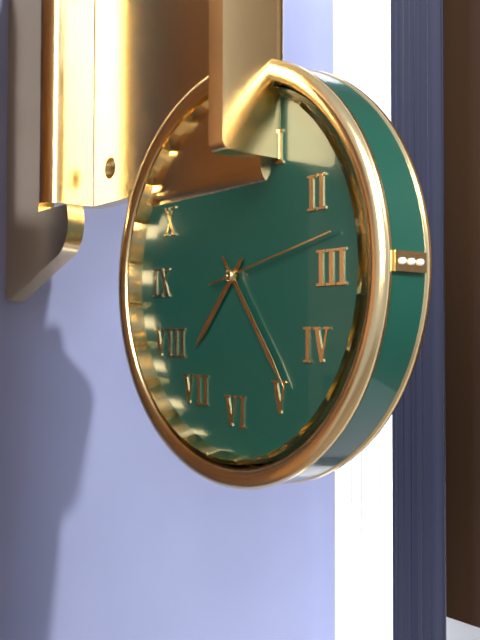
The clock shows 7h24m13s
